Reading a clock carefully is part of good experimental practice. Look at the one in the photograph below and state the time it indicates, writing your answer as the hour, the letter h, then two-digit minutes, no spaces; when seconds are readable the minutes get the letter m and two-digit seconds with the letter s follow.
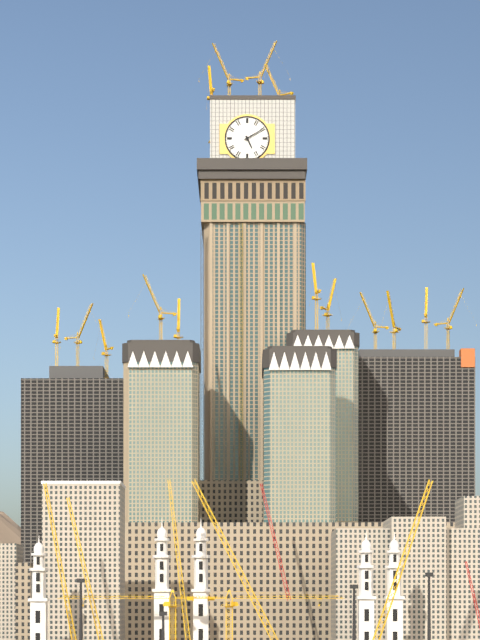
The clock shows 5h10
